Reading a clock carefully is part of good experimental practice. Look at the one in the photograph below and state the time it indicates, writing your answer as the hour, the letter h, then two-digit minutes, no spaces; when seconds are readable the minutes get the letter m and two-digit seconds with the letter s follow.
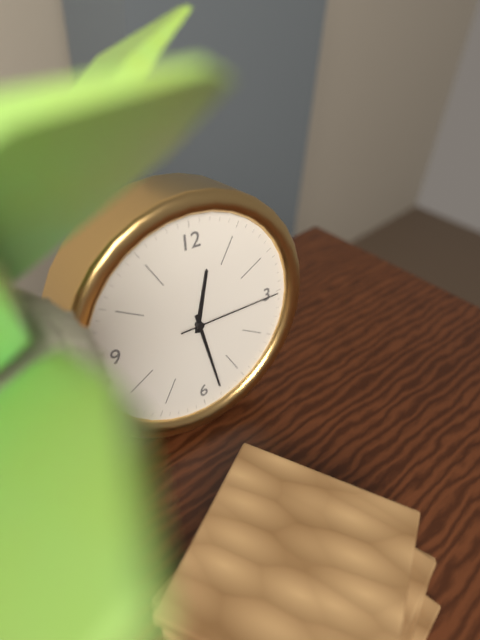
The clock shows 12h28m15s
